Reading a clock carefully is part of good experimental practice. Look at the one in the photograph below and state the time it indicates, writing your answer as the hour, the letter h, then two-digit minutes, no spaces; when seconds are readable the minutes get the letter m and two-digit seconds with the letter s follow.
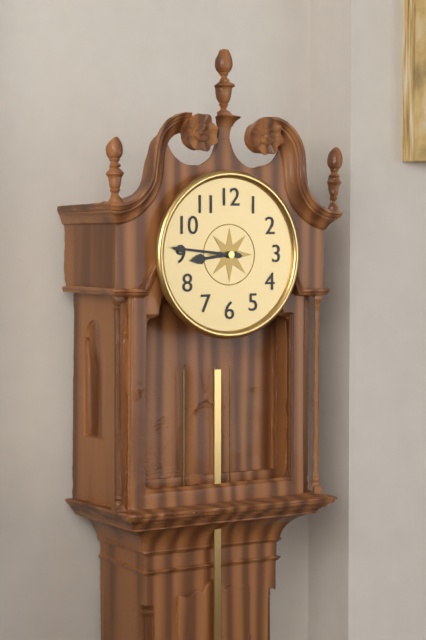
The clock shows 8h46
